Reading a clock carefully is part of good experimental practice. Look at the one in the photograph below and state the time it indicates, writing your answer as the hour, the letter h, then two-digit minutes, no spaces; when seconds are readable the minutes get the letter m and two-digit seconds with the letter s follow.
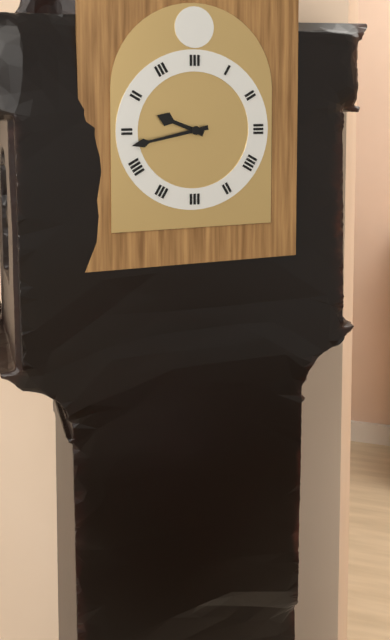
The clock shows 9h43
